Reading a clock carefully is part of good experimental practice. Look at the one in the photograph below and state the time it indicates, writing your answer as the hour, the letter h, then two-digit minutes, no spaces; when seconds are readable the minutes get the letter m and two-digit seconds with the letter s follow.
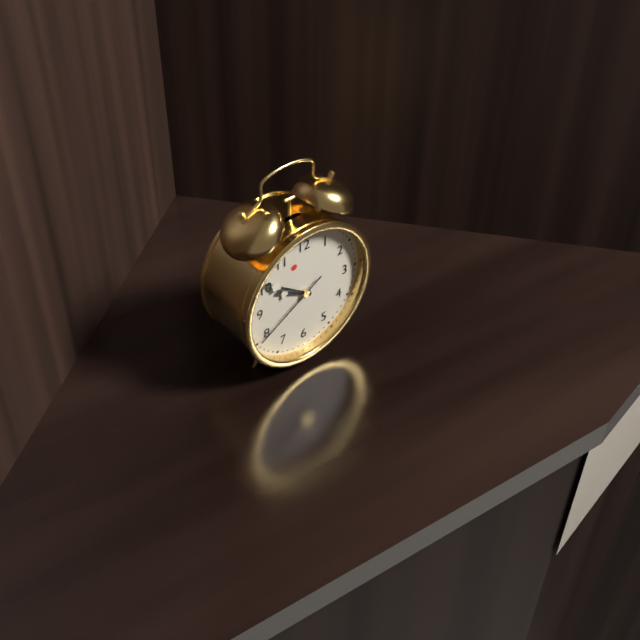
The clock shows 9h51m40s
